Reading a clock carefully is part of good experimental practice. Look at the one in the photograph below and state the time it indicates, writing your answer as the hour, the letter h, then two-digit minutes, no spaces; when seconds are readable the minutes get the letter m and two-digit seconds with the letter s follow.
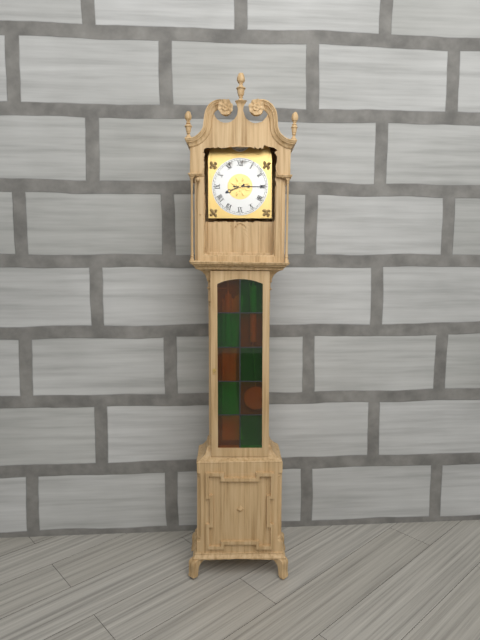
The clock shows 8h15
